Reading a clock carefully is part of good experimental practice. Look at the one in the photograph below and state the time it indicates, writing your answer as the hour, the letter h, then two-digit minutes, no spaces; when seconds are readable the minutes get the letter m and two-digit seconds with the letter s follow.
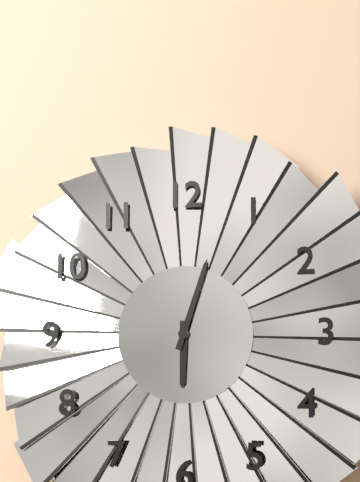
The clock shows 6h03
